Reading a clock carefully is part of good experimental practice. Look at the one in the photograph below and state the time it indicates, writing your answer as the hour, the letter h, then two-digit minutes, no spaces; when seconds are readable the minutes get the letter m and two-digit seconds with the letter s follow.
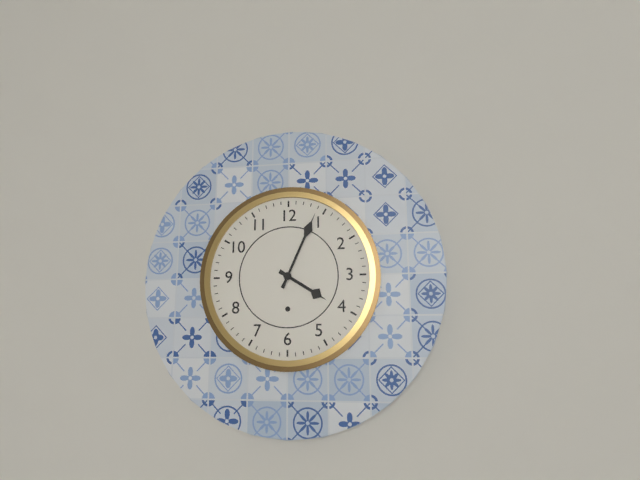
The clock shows 4h04
